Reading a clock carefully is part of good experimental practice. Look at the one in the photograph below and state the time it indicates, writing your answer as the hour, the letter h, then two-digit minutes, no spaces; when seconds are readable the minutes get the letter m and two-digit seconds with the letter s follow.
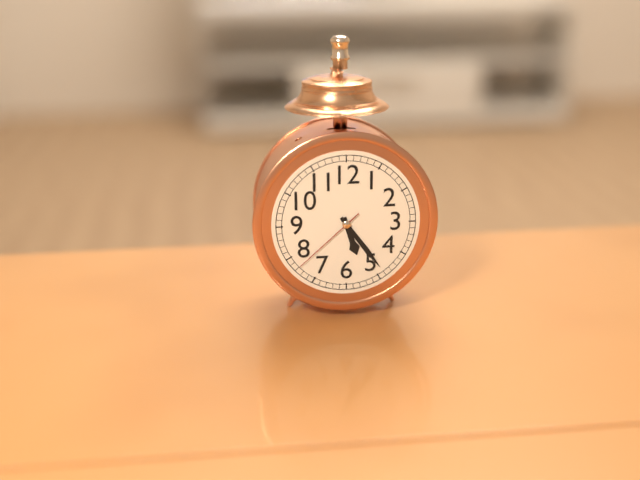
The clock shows 5h24m38s
